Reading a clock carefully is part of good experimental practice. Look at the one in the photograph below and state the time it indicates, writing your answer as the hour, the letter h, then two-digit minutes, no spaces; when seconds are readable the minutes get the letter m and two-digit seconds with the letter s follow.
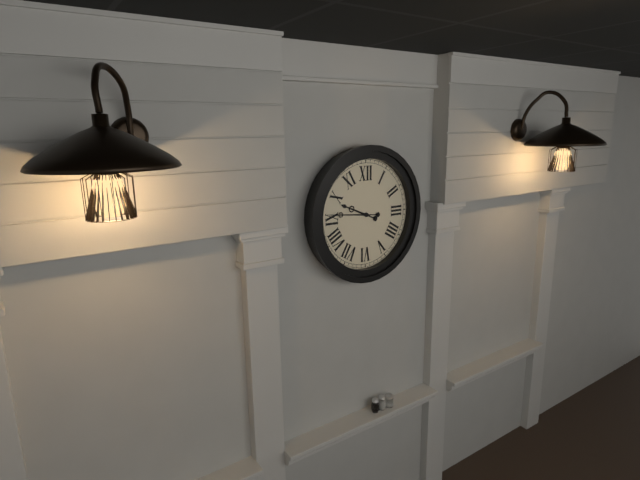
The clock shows 9h46
